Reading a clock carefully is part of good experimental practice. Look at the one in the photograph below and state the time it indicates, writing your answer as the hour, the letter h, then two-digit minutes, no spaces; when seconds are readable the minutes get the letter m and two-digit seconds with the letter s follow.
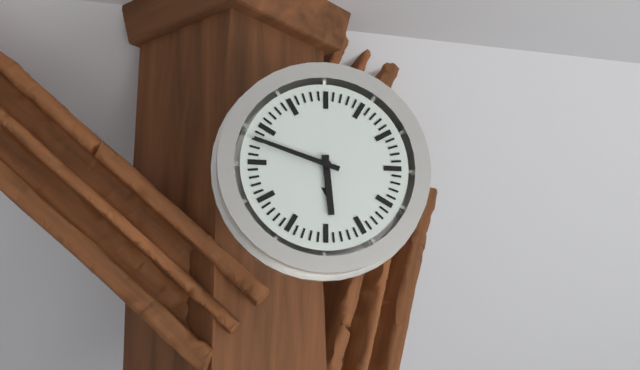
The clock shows 5h48
